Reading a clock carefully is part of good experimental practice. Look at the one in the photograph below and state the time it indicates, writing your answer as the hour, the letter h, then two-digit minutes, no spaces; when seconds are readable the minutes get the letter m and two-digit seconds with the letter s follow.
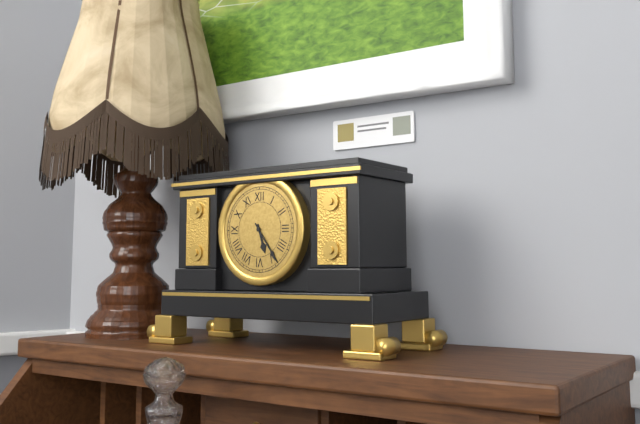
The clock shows 5h24
